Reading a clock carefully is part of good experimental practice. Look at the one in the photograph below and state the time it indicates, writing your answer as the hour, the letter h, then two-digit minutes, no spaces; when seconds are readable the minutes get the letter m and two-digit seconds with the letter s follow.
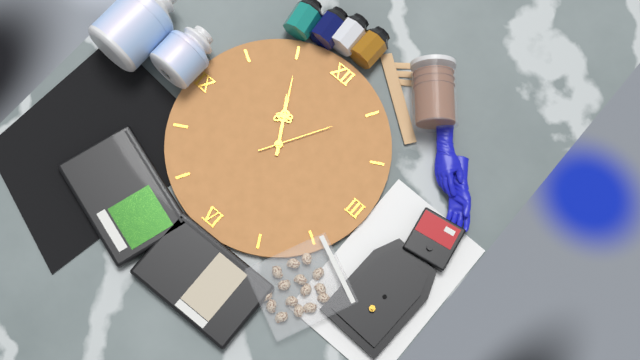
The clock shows 10h55m05s
